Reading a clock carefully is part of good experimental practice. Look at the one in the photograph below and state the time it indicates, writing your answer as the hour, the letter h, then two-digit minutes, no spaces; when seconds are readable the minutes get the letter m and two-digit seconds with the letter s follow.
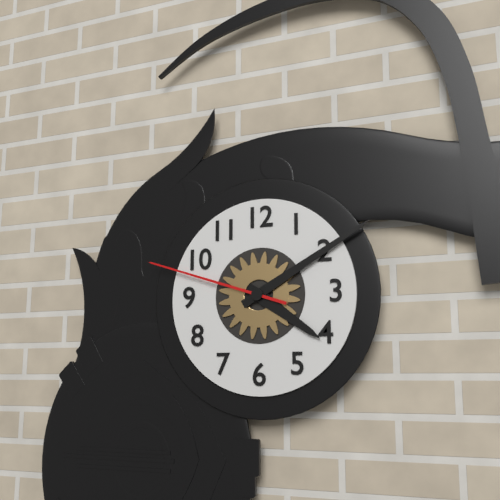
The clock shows 4h10m48s
